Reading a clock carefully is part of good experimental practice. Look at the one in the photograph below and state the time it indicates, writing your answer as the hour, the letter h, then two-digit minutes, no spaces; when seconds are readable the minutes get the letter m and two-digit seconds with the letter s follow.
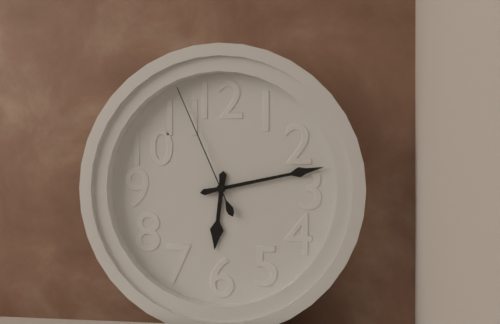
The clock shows 6h13m56s
